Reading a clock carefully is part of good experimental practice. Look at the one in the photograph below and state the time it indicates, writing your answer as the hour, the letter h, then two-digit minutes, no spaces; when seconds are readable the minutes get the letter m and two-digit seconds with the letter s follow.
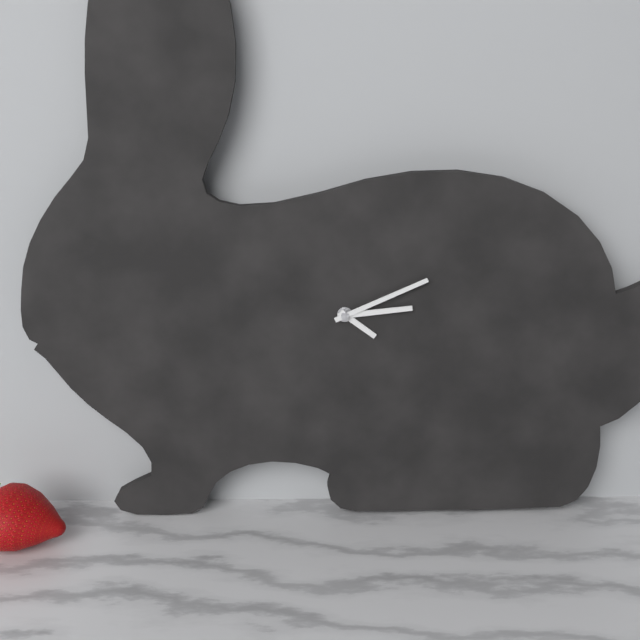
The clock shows 4h14m11s
